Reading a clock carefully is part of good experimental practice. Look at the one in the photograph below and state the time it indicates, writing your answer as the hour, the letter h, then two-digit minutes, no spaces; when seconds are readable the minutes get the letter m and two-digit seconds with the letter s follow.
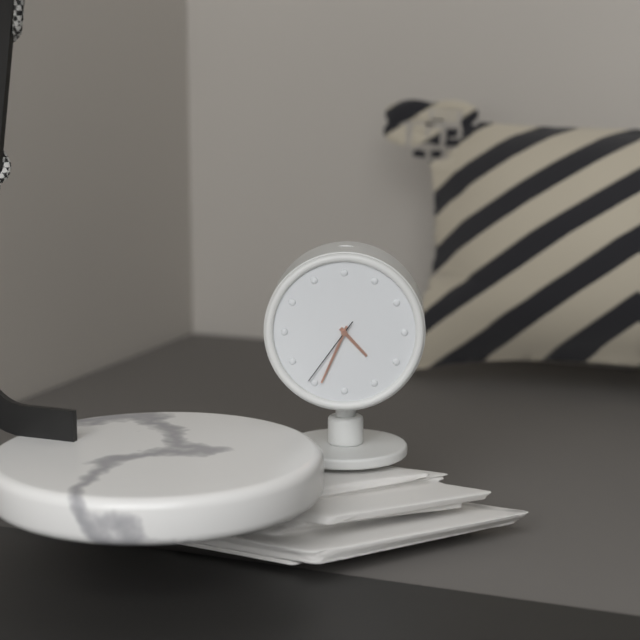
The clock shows 4h34m36s
